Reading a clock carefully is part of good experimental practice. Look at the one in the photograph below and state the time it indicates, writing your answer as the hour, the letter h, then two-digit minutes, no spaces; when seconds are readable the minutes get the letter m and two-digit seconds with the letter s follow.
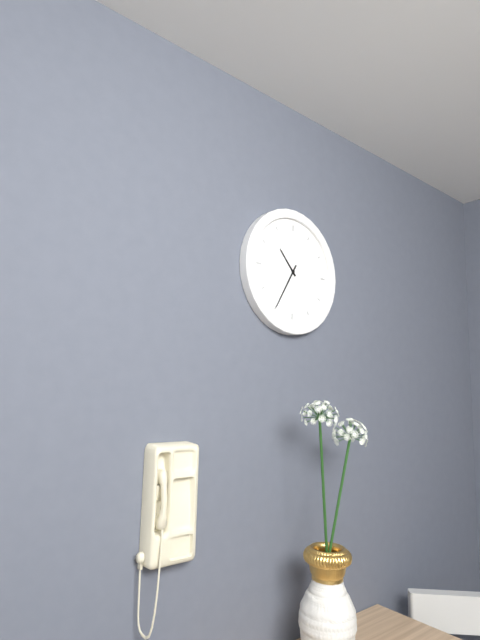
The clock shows 10h35
